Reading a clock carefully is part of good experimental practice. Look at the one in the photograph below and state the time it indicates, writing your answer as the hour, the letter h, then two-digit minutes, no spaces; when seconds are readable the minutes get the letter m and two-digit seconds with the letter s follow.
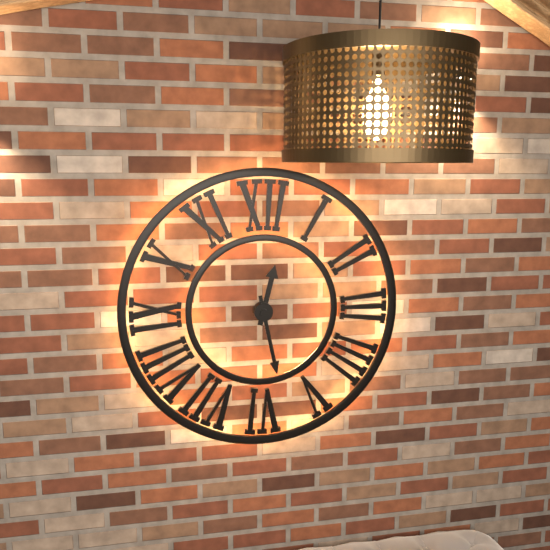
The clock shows 12h28
